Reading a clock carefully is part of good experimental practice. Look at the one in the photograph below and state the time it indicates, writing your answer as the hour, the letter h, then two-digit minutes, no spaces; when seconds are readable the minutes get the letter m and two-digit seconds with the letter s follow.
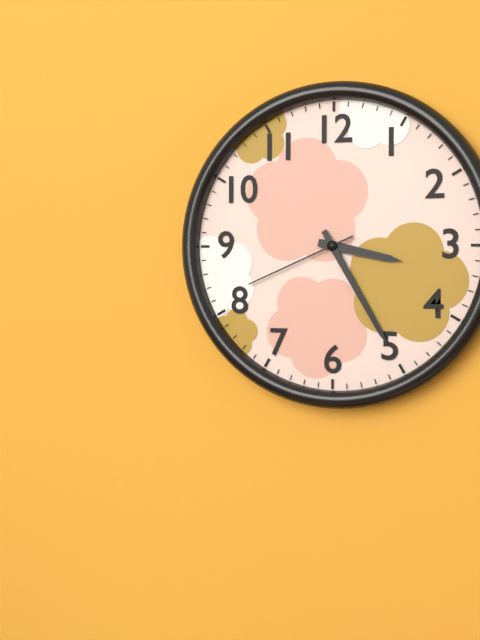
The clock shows 3h25m41s
